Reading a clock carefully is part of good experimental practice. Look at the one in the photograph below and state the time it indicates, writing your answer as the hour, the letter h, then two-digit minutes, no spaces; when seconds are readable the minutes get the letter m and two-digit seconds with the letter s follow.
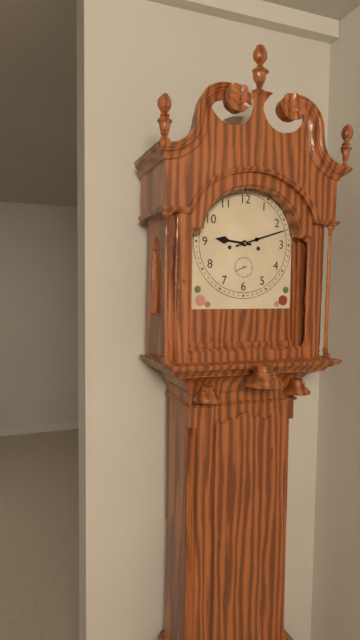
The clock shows 9h12
